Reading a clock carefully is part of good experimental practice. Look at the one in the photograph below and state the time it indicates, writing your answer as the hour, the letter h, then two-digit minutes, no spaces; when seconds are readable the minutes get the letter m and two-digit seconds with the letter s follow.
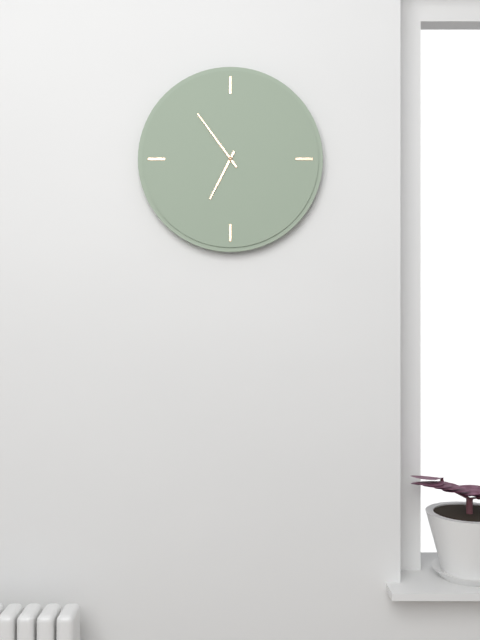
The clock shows 6h54
